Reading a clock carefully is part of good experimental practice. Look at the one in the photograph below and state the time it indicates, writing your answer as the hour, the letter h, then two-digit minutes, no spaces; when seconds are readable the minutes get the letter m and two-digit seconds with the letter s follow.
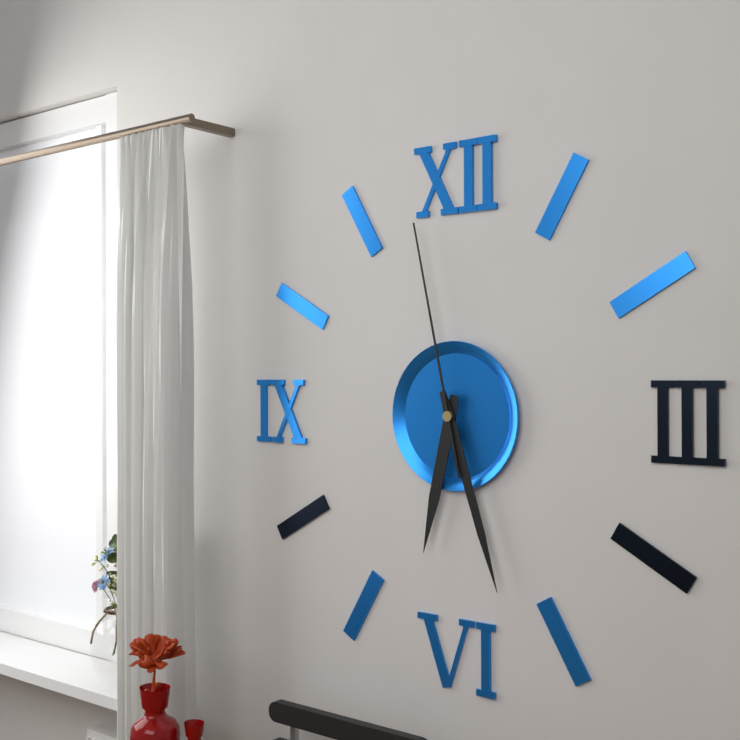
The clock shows 6h27m58s
